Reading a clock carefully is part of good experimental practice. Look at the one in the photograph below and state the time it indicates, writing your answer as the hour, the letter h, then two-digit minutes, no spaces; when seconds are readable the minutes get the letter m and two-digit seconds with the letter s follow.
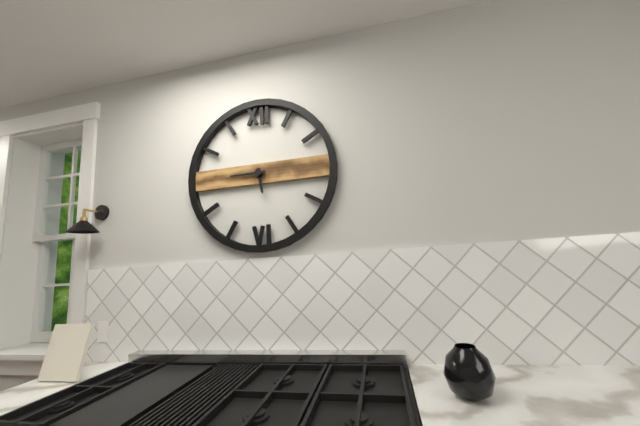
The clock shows 5h45
